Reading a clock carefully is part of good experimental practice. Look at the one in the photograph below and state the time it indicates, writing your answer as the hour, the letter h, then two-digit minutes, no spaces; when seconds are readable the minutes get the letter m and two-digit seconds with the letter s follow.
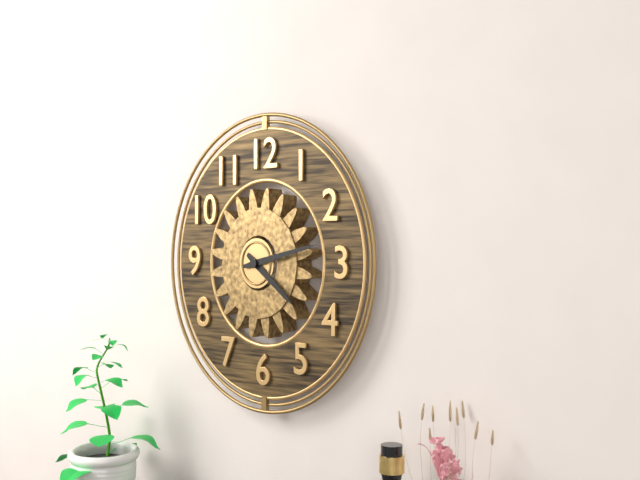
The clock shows 4h13
